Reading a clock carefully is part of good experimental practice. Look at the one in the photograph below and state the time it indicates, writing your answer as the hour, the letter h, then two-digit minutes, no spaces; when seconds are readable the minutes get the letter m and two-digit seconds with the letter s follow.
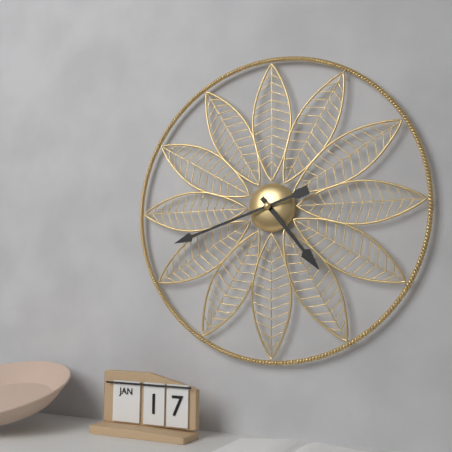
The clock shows 4h42
